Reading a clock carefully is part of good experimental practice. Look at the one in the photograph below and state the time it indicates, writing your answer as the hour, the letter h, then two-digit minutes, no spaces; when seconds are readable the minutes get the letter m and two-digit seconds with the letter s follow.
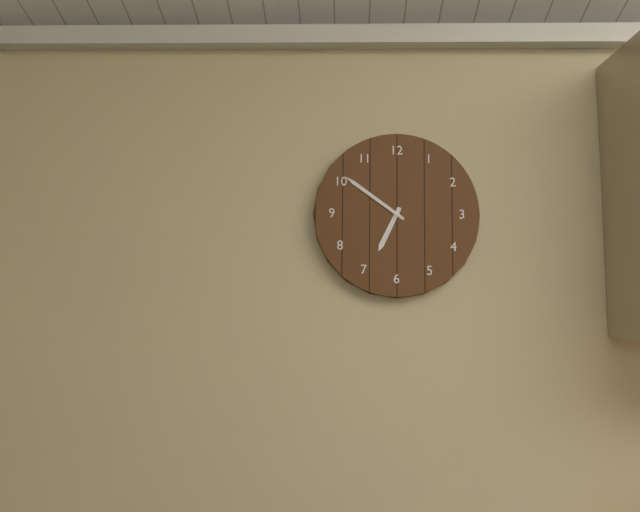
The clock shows 6h51
